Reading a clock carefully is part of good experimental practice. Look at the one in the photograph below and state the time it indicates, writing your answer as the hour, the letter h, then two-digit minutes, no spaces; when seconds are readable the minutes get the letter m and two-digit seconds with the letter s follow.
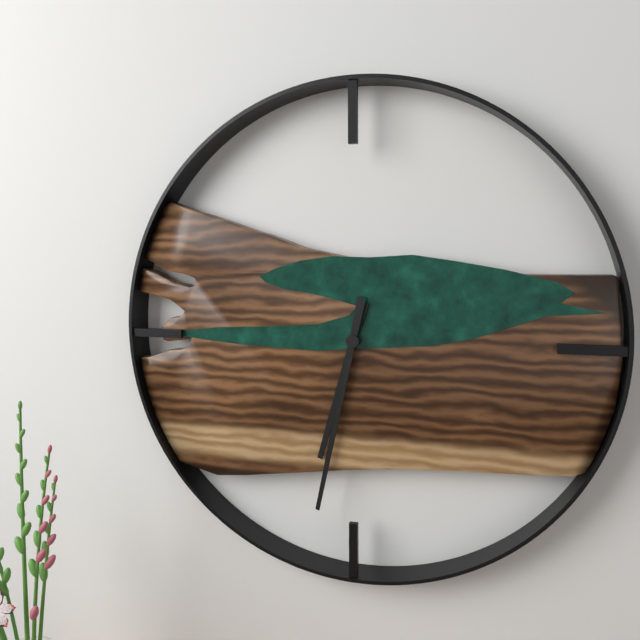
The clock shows 6h32
